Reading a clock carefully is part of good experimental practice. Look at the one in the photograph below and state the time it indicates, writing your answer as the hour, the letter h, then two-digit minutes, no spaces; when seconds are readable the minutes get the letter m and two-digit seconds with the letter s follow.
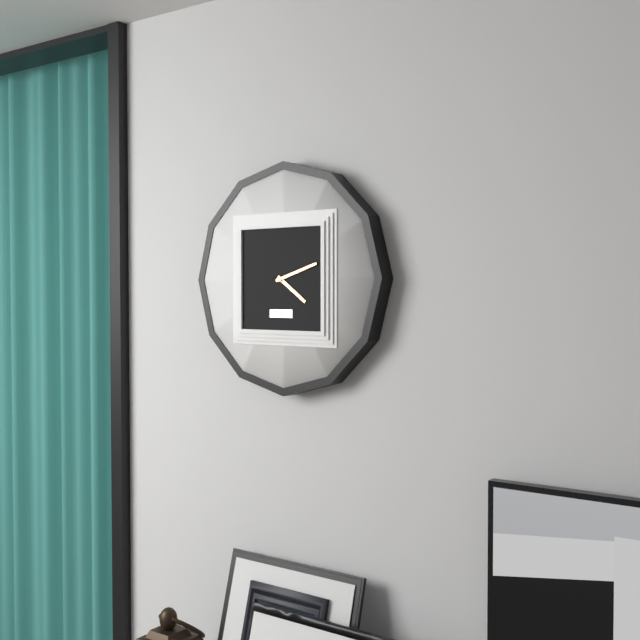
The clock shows 4h12
